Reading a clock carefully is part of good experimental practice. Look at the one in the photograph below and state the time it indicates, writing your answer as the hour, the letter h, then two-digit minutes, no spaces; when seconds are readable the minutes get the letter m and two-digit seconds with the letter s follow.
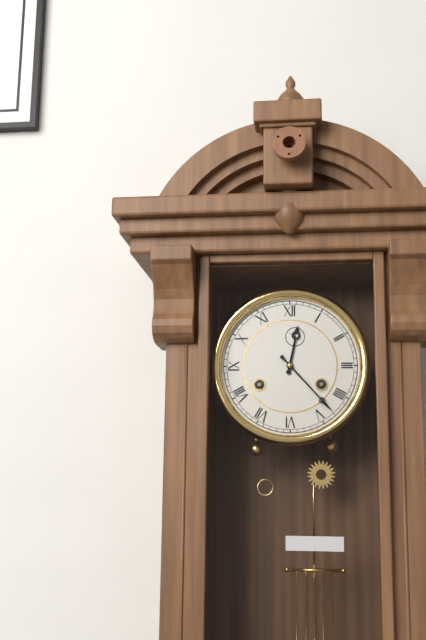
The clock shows 12h23
